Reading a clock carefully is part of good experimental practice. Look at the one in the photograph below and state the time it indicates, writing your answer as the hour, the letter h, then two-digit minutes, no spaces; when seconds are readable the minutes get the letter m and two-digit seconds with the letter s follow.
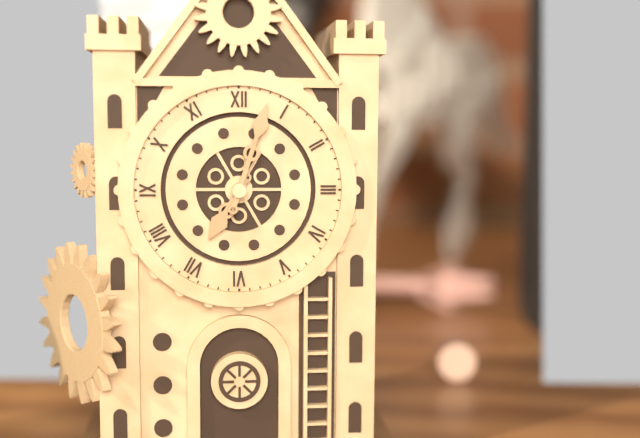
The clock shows 7h03
